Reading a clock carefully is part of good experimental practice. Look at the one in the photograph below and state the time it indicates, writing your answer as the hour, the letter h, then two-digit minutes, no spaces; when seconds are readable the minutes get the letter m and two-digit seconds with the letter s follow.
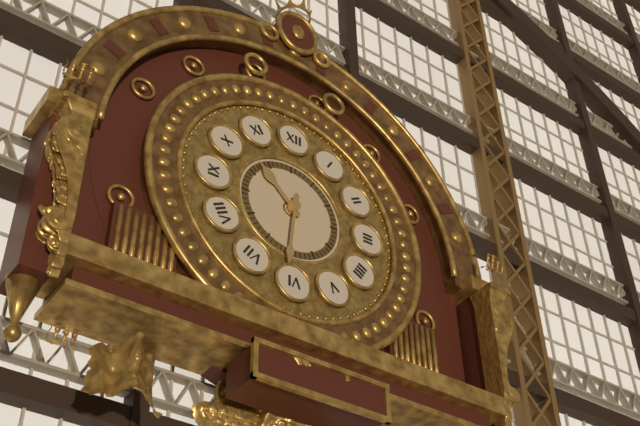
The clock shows 10h31
